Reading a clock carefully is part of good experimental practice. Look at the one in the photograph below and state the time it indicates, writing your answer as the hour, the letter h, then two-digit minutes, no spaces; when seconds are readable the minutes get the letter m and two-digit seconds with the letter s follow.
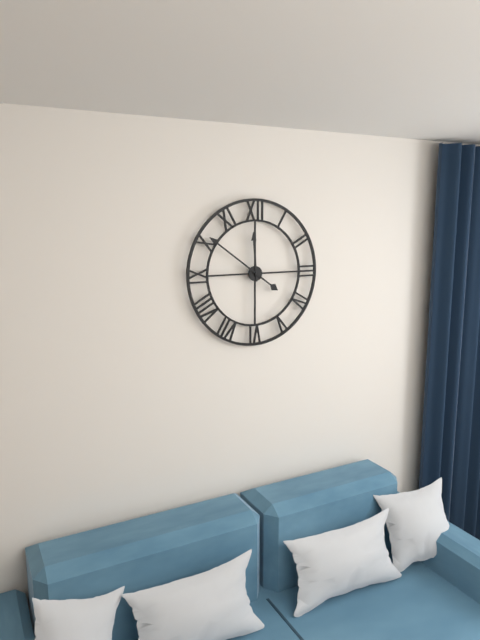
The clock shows 11h51
